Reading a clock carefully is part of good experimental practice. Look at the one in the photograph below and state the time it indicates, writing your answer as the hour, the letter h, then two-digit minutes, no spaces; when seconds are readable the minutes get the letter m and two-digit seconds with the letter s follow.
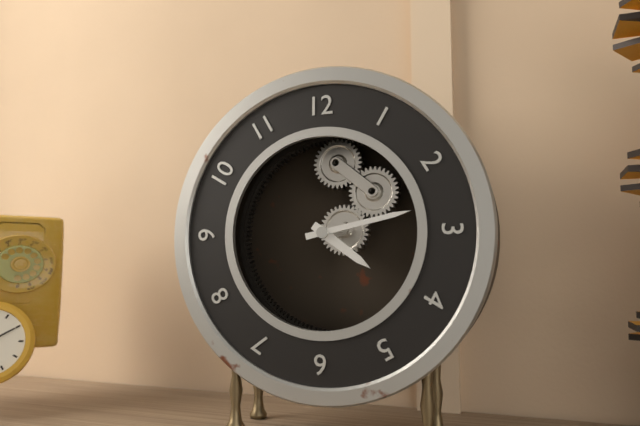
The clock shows 4h13
